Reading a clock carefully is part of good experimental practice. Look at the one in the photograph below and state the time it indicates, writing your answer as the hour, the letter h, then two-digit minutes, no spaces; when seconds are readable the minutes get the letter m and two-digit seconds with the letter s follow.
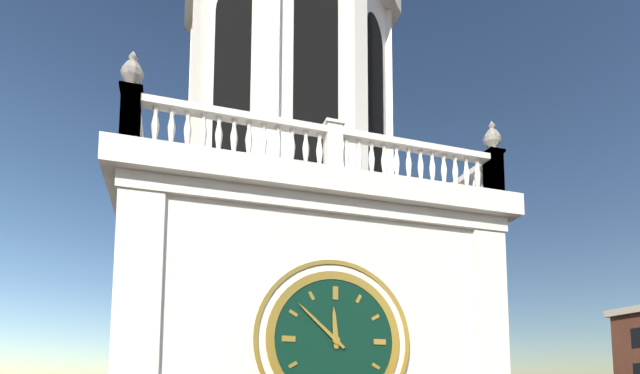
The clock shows 11h52
